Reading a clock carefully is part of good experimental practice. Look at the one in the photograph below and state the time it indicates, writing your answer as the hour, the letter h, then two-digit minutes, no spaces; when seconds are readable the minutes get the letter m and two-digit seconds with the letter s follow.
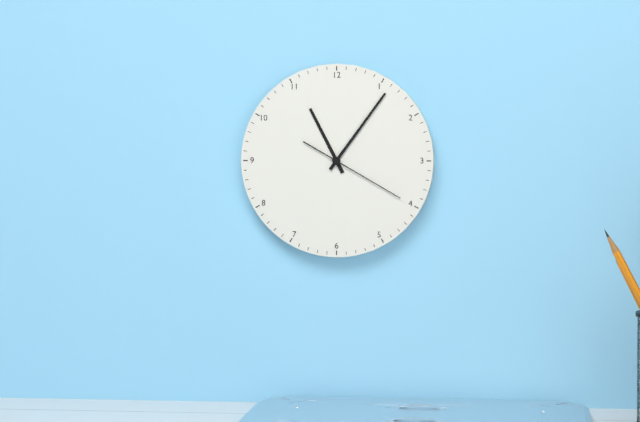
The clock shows 11h06m20s
